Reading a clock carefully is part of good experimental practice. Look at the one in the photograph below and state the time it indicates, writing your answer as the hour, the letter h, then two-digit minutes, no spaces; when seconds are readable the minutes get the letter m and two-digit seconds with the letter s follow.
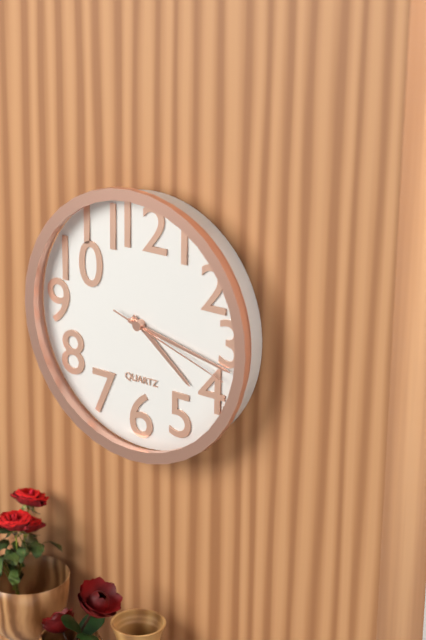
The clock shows 4h17m18s
